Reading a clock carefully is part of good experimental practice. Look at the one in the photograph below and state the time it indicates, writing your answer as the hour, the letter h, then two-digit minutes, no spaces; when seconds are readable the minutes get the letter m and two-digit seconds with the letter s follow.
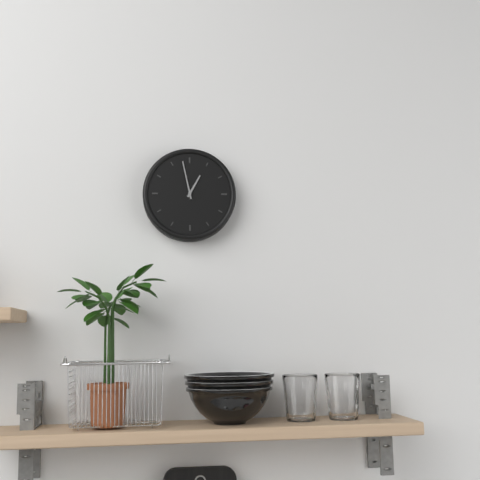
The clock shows 12h58
